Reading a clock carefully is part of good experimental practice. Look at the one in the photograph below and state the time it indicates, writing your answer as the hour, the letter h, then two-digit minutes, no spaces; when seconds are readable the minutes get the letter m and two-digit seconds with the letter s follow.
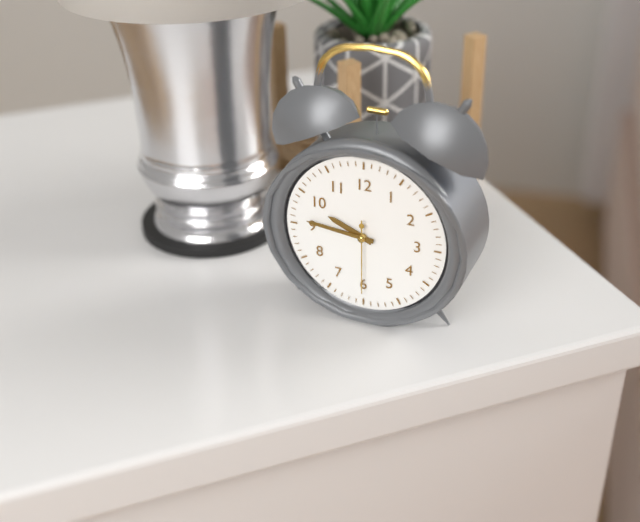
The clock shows 9h46m30s
